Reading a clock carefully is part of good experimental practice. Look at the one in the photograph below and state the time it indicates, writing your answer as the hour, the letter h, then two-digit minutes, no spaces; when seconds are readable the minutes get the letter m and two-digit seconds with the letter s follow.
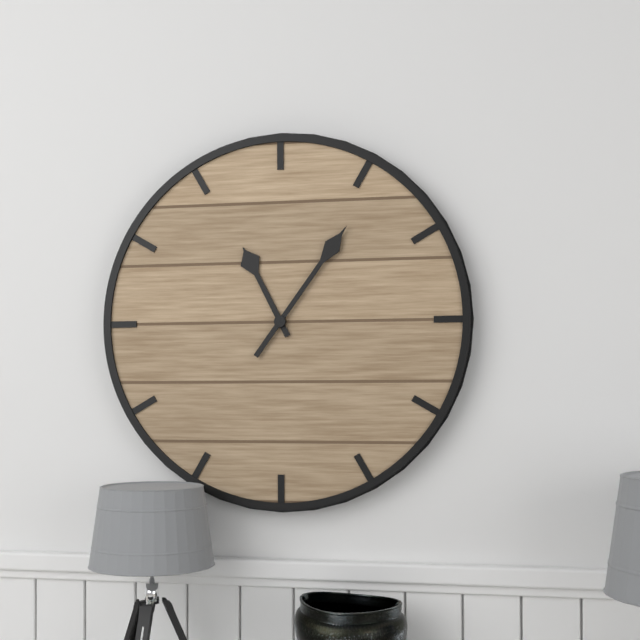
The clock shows 11h06
